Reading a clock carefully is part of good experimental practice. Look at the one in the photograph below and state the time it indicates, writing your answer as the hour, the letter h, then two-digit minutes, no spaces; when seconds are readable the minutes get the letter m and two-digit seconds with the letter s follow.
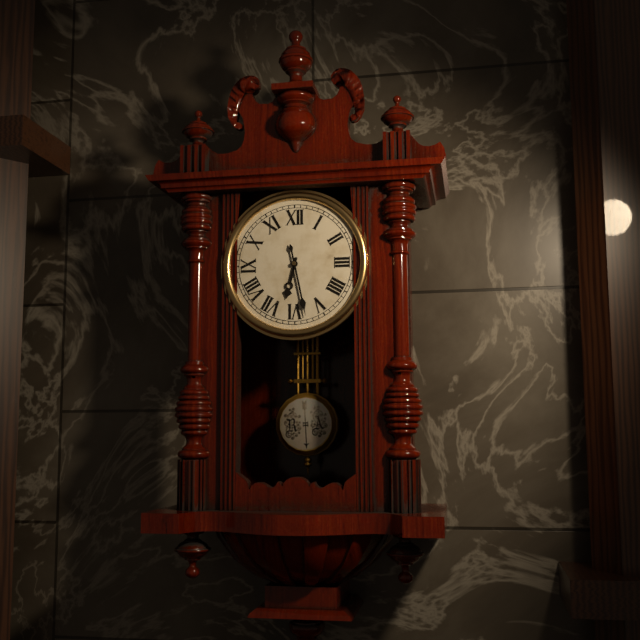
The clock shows 6h28
